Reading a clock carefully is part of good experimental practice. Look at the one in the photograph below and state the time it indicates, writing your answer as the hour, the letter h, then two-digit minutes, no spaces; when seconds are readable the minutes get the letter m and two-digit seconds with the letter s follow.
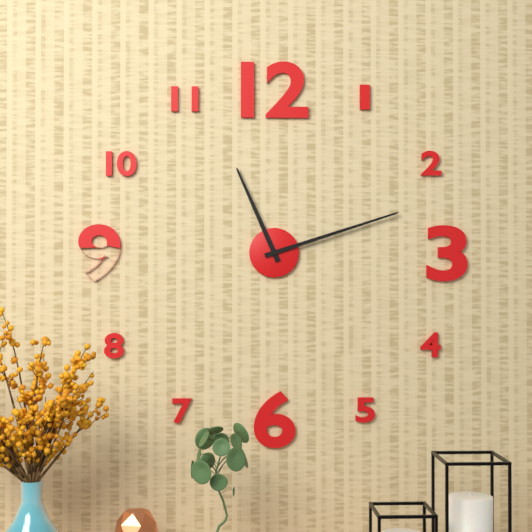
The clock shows 11h12
